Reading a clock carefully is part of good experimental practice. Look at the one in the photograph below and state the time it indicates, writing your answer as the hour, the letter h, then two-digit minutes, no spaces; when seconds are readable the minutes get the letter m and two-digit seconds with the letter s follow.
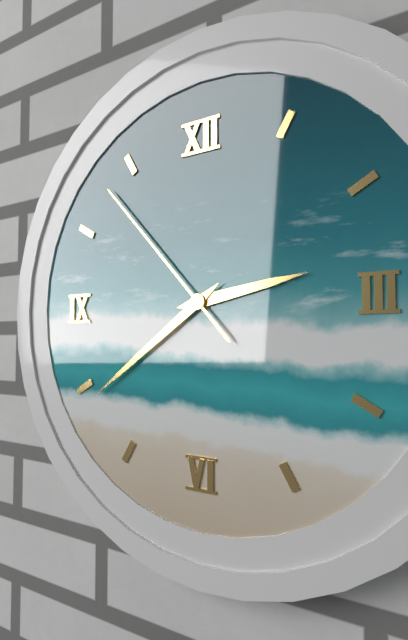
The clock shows 2h39m53s
